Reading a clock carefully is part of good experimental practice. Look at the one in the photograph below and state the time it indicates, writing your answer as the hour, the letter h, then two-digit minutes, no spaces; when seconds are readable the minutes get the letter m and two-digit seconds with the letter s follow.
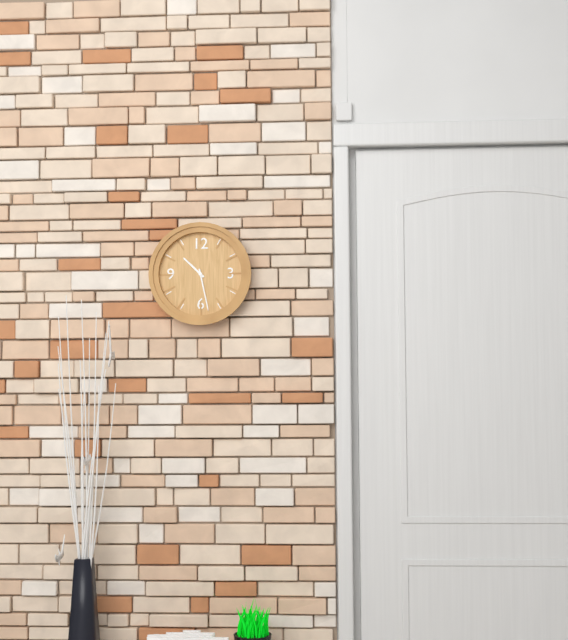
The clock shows 10h28
